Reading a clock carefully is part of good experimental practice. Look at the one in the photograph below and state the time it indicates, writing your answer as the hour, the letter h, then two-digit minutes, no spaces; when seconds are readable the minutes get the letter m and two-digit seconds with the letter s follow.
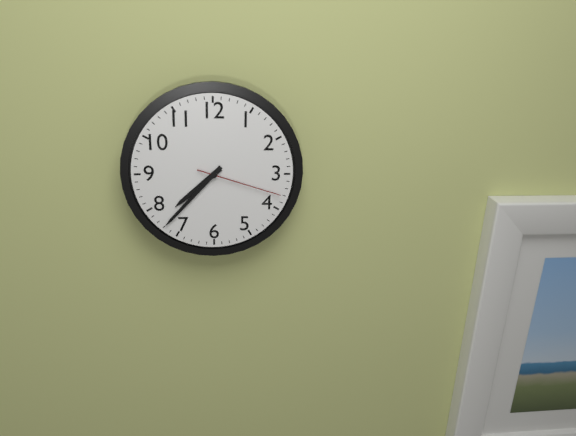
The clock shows 7h37m18s
